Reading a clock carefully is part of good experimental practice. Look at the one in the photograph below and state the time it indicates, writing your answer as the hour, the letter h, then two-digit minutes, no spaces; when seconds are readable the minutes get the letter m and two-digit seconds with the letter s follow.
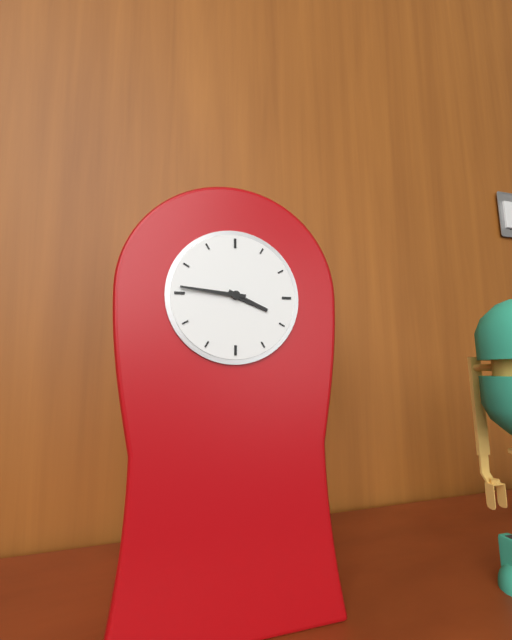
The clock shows 3h46
